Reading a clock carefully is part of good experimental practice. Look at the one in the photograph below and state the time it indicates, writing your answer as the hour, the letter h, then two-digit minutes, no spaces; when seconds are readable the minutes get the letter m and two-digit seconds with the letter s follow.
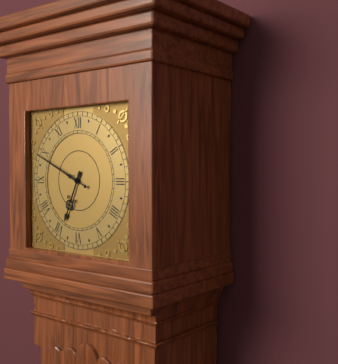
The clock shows 6h49
